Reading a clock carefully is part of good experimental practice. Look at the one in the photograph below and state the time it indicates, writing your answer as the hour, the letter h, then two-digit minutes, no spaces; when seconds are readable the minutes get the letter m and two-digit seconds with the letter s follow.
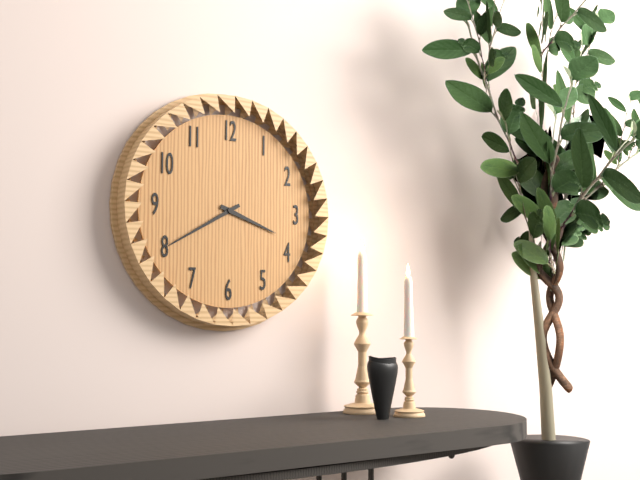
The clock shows 3h40
